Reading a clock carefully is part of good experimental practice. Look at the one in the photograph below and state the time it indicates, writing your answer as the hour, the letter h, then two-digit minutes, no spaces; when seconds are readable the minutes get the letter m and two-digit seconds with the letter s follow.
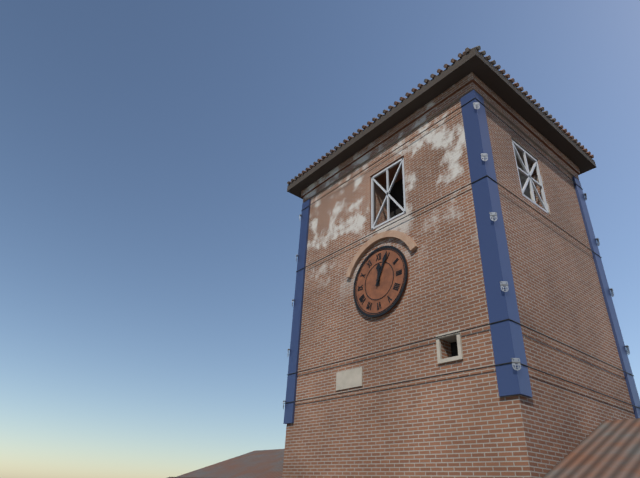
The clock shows 12h04
